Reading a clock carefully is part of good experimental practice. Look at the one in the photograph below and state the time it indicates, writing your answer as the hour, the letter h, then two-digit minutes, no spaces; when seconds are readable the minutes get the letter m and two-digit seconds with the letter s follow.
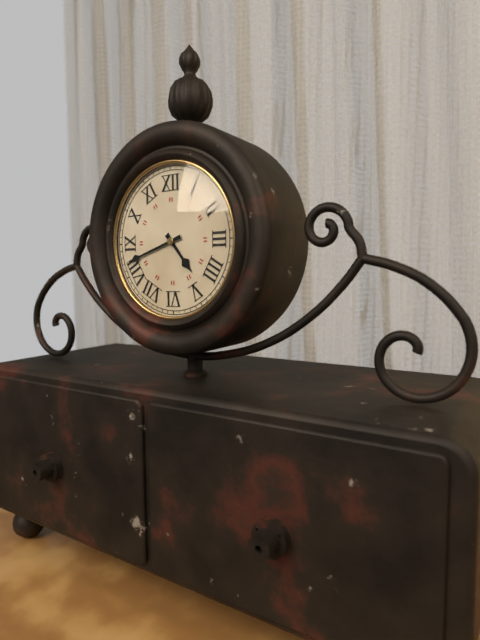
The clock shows 4h42
